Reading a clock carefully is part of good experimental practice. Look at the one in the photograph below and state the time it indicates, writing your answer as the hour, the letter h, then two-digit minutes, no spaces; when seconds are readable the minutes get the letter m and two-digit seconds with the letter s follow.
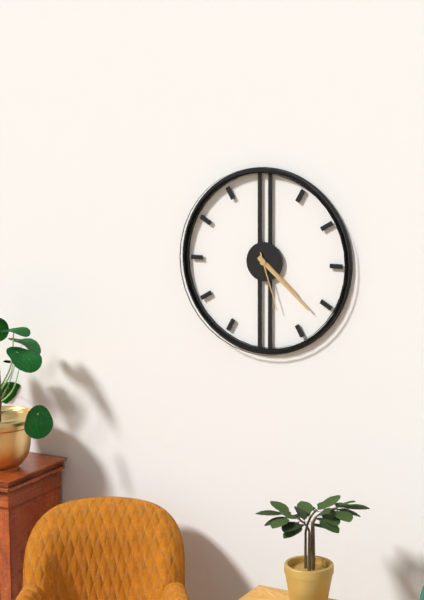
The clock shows 4h22m27s
